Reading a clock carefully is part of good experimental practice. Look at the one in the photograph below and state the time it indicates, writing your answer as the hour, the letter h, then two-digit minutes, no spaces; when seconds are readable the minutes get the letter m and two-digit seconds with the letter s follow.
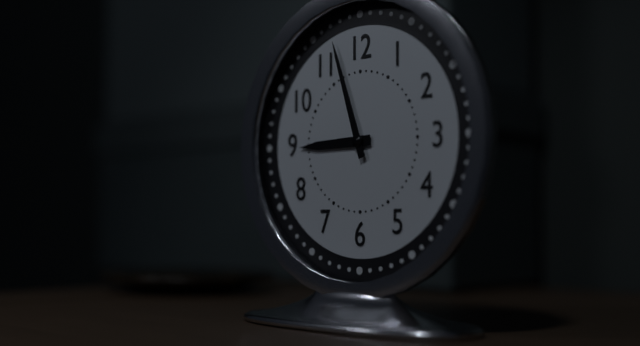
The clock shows 8h57
